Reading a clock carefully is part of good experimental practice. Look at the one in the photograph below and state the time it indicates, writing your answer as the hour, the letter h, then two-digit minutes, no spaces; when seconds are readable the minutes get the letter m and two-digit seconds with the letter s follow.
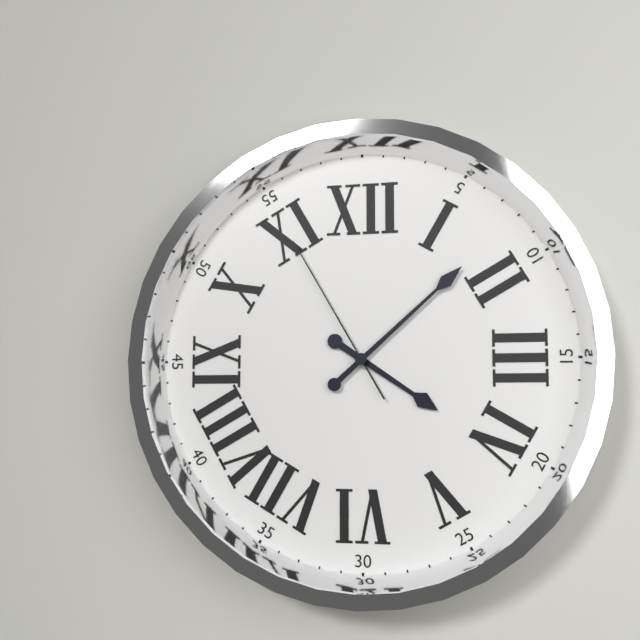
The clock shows 4h08m55s
